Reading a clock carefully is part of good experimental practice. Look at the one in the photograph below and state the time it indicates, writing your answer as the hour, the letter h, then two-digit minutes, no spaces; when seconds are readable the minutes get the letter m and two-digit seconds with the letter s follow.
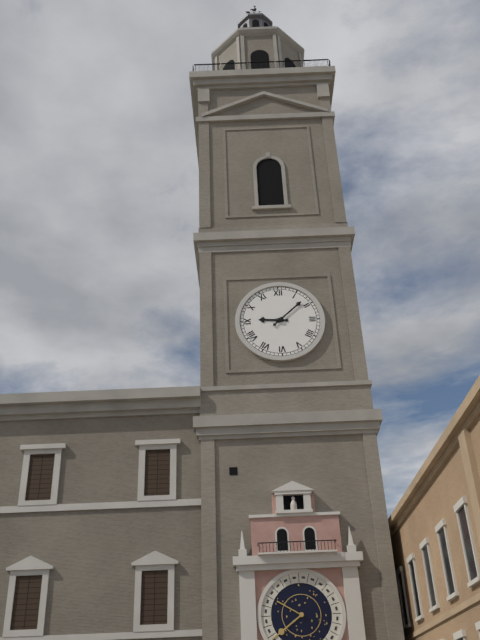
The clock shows 9h08
